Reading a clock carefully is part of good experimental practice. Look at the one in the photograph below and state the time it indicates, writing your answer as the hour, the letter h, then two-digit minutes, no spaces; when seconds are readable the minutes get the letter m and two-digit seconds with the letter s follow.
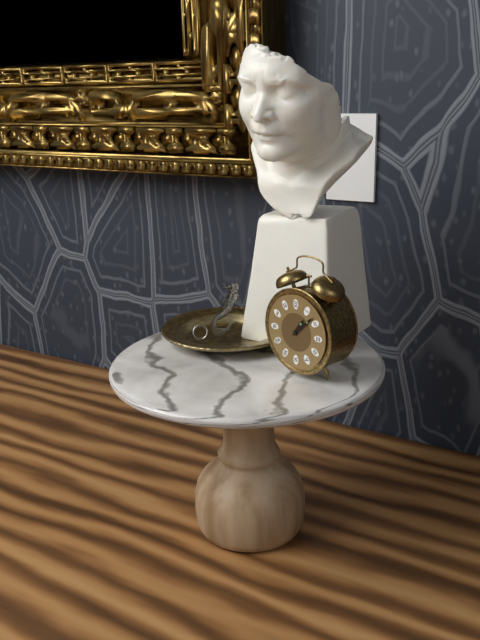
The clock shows 1h08
